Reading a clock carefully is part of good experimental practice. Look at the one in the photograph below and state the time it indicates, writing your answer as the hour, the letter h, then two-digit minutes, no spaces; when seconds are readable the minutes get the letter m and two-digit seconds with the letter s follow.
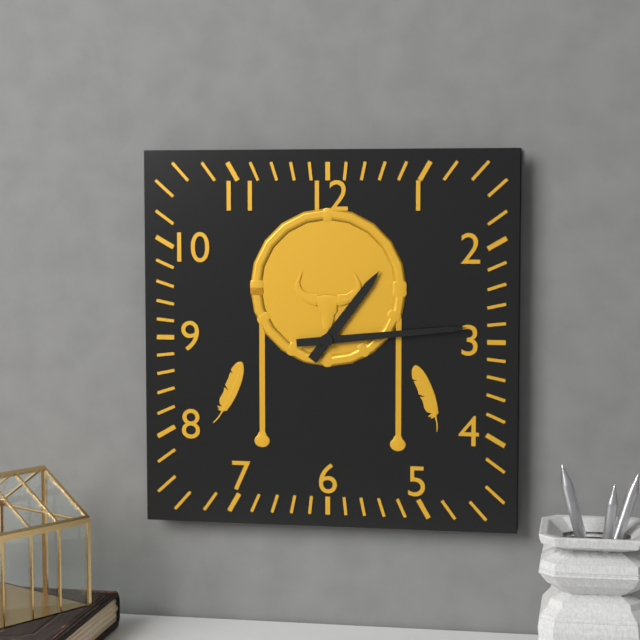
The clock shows 1h14
